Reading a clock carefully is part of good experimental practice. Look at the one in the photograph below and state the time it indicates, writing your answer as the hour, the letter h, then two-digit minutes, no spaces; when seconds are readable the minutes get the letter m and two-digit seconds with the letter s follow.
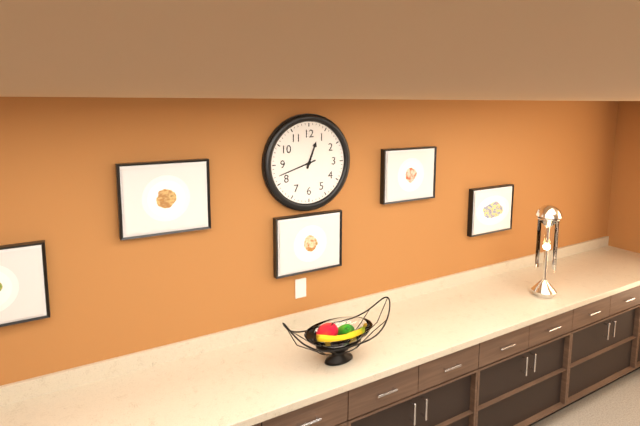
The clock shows 12h42
